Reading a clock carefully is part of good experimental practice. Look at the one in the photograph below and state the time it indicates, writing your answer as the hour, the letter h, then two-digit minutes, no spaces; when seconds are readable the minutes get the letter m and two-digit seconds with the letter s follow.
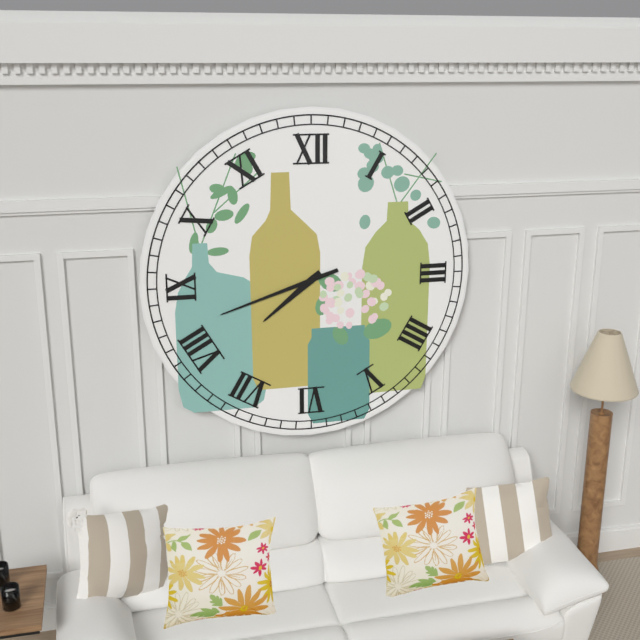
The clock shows 7h42
